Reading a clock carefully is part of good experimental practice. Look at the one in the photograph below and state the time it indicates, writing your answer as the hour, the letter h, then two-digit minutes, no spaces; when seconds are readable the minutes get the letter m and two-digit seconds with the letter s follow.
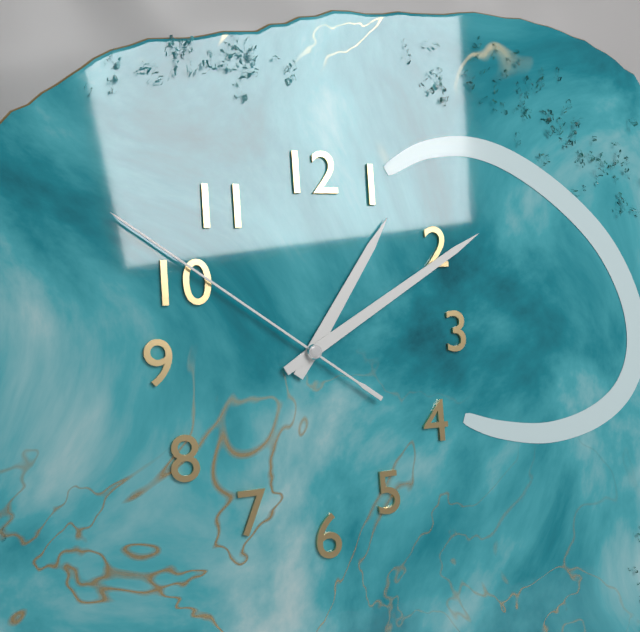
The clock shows 1h10m51s
